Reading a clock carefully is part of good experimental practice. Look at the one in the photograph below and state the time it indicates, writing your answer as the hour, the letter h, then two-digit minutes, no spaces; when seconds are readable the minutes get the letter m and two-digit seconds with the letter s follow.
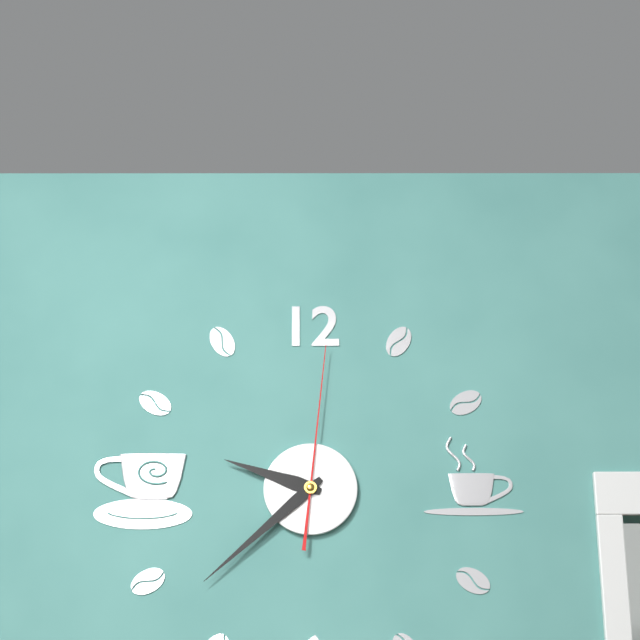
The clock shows 9h38m01s
